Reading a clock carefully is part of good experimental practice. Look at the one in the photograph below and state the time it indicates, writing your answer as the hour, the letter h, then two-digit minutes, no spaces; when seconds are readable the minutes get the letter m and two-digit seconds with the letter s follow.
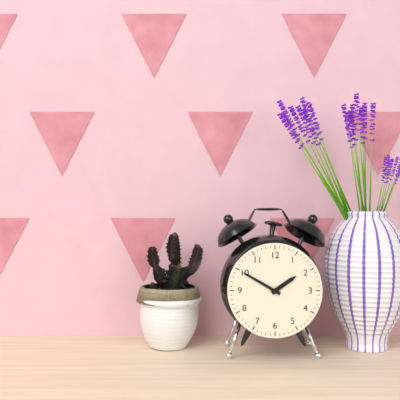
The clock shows 1h50
